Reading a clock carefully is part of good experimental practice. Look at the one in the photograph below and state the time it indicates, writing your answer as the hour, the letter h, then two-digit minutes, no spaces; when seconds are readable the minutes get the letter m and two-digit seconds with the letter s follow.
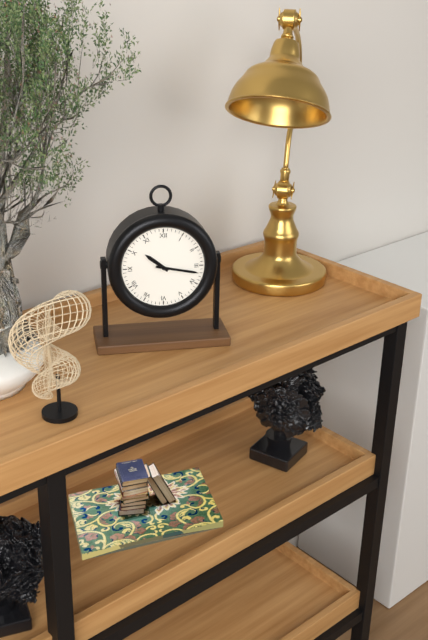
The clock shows 10h17
